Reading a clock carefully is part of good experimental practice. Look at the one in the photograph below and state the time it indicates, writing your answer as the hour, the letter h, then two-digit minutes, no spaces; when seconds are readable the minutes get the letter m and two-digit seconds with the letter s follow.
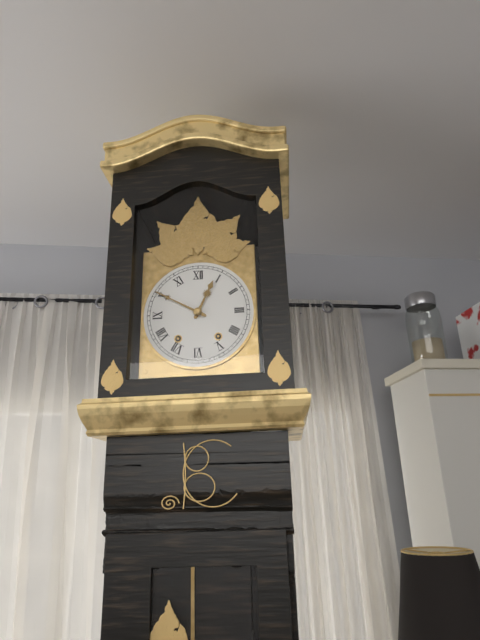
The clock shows 12h50
